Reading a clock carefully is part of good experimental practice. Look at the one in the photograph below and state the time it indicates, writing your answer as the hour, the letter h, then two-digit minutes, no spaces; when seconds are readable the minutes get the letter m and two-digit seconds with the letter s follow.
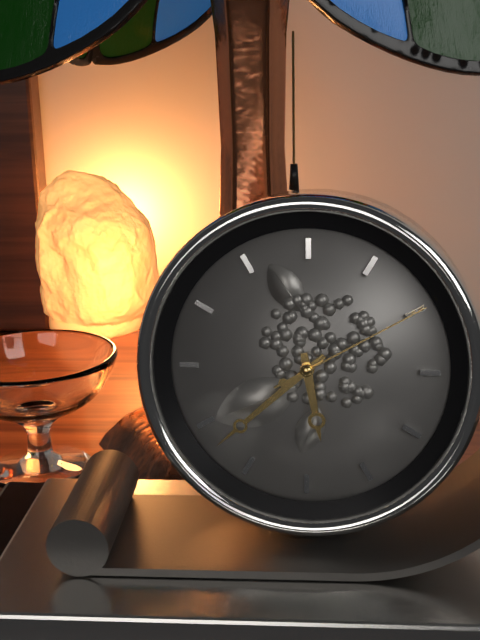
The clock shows 5h38m10s
